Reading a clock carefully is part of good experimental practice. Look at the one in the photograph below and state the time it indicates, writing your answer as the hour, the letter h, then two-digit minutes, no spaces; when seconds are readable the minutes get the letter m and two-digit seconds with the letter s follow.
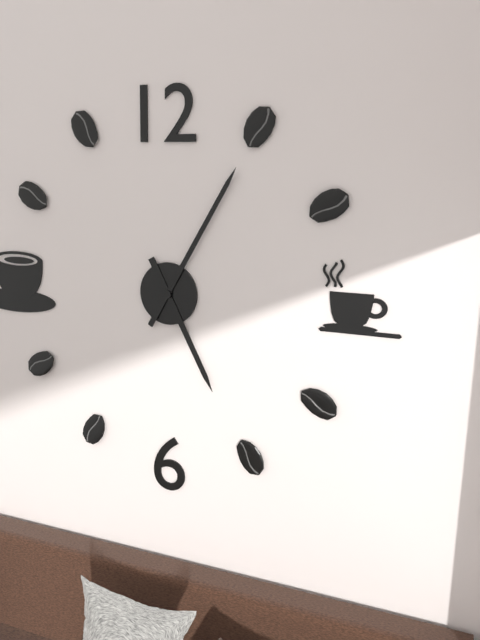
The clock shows 5h05
